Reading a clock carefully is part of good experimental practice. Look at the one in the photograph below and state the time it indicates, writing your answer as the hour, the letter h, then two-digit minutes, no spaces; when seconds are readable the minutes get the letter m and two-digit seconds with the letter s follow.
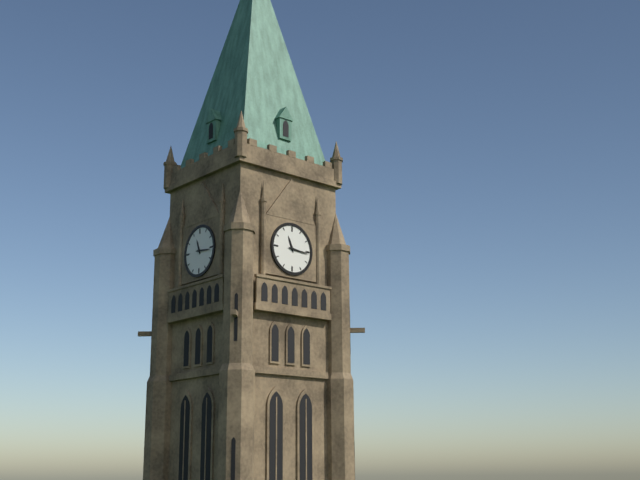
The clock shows 11h16
